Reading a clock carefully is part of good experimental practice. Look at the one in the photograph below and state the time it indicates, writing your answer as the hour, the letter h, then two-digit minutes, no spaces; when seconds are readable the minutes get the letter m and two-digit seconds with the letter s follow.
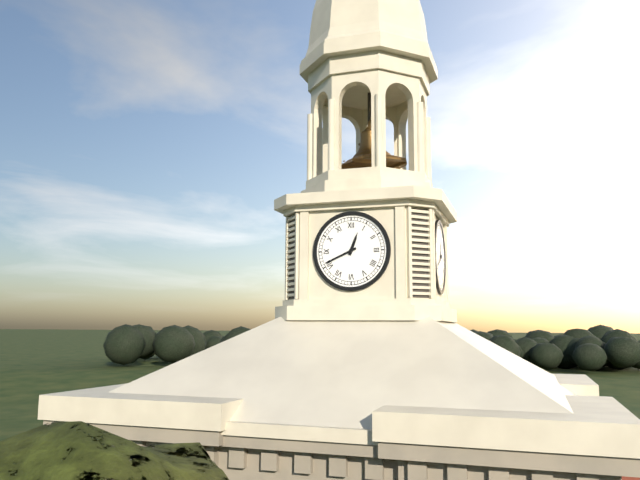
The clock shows 12h41
